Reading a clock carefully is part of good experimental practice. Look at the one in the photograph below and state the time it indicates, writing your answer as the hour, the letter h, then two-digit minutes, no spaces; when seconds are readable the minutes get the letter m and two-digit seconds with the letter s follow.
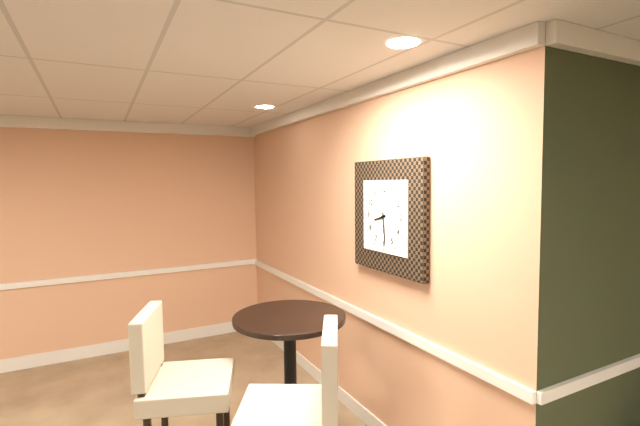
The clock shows 8h29
